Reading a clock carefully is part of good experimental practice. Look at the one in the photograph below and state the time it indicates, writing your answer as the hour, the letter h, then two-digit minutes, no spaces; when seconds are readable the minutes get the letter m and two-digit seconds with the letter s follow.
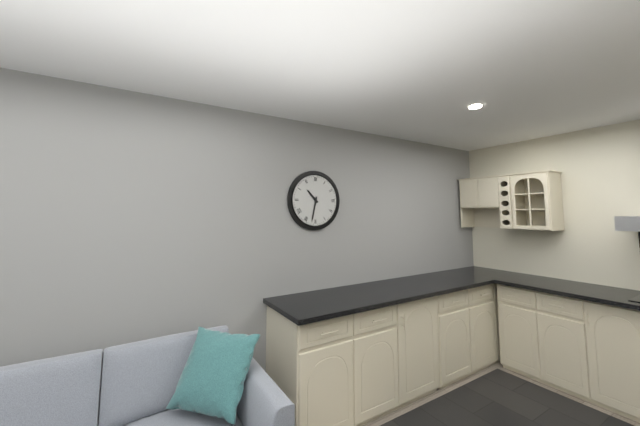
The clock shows 10h32
